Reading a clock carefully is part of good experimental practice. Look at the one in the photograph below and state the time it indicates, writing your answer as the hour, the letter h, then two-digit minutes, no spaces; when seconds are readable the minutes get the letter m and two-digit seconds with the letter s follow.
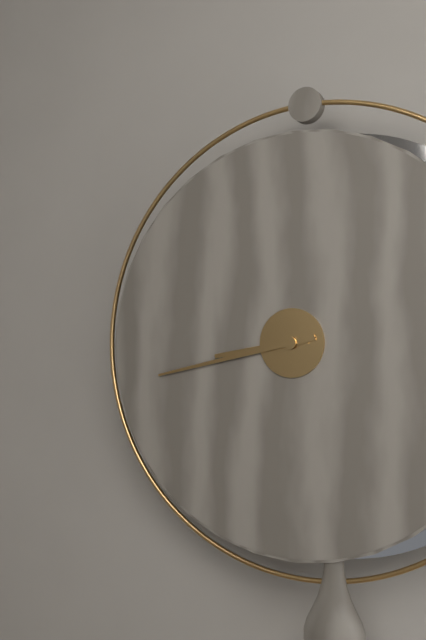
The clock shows 8h43
